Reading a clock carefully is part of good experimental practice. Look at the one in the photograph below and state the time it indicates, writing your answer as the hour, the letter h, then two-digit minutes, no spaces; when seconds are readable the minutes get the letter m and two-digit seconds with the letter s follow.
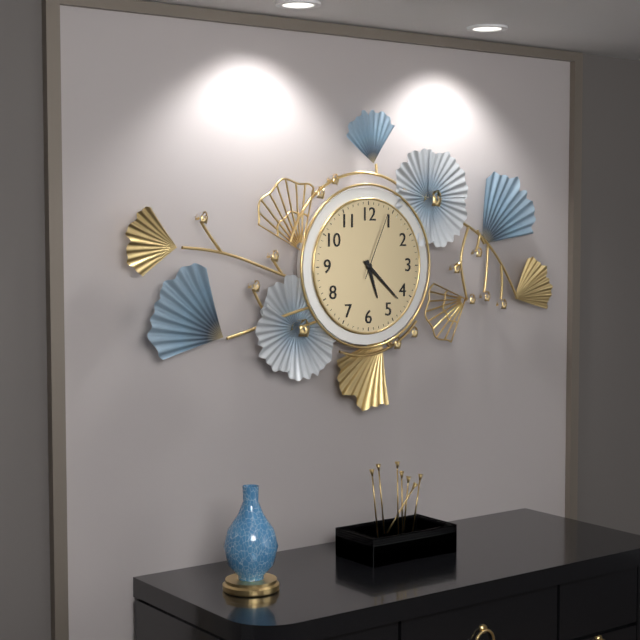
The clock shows 5h22m04s
